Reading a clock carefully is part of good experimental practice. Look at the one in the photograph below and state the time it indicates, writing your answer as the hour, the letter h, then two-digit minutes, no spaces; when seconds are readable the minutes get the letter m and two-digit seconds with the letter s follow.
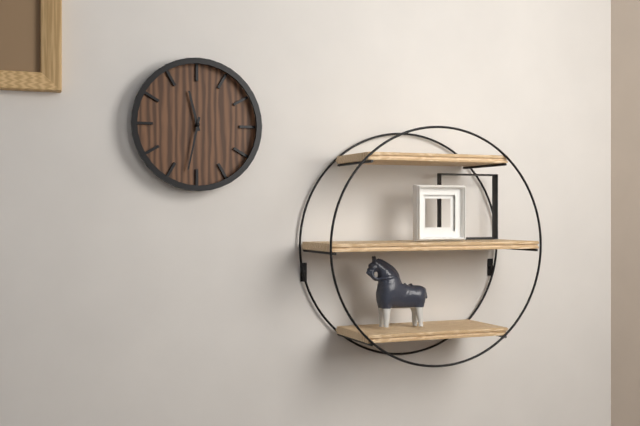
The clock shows 11h32
